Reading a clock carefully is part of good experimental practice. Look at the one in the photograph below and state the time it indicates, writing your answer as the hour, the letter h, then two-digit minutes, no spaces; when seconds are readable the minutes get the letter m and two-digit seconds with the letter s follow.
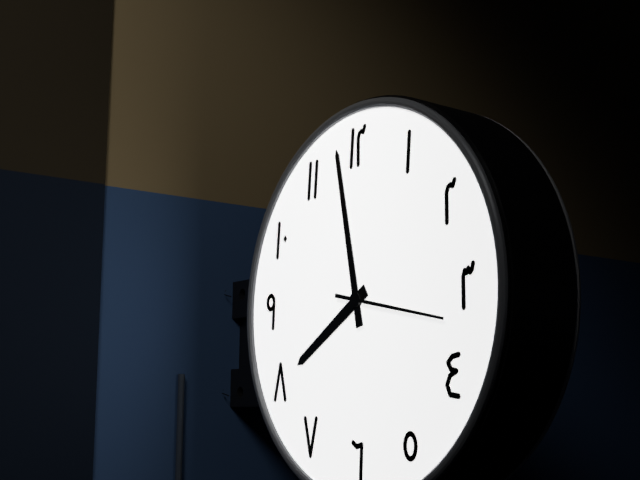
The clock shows 7h58m17s
